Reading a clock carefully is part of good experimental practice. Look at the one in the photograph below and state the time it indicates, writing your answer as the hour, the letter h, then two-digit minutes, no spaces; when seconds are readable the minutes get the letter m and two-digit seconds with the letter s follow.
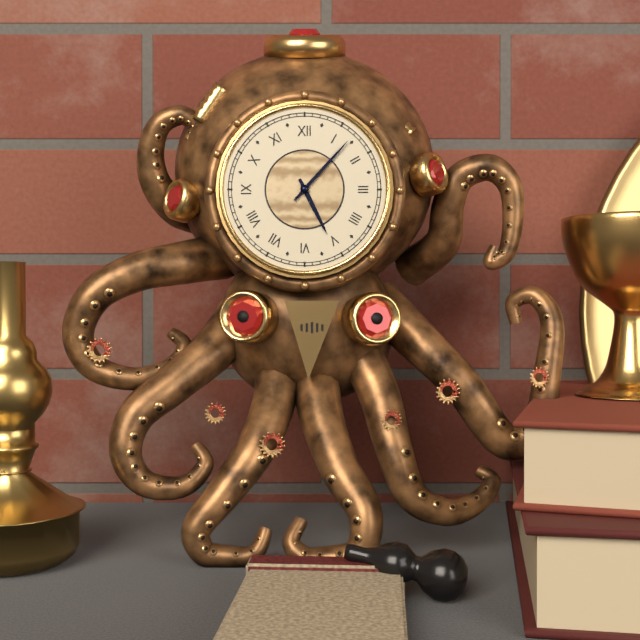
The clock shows 5h07
